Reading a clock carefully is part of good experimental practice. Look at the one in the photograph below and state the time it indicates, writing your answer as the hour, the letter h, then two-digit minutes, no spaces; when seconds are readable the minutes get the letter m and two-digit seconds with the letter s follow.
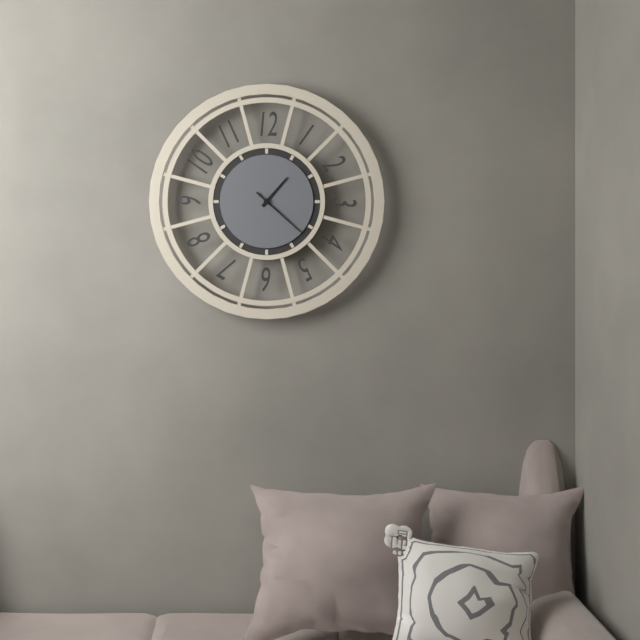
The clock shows 1h22
